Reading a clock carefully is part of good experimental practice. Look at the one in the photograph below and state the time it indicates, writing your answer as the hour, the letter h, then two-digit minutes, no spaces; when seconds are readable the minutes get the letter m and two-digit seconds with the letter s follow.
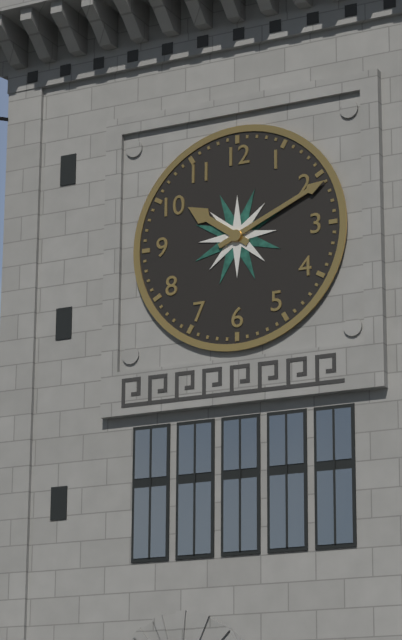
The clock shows 10h11
